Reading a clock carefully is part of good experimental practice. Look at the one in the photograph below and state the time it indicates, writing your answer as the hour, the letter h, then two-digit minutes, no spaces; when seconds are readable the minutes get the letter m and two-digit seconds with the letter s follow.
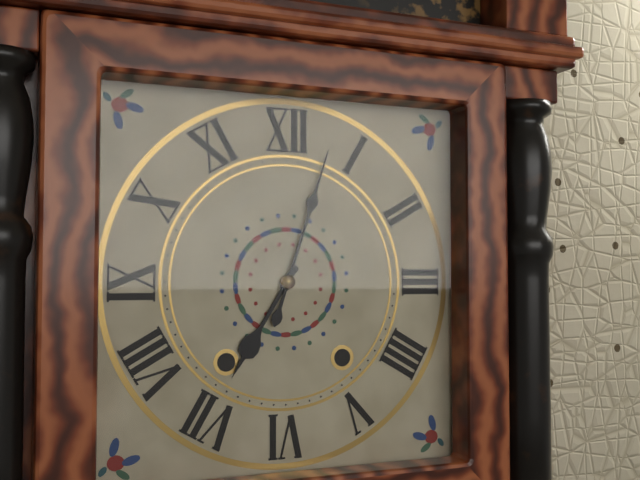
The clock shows 7h03
